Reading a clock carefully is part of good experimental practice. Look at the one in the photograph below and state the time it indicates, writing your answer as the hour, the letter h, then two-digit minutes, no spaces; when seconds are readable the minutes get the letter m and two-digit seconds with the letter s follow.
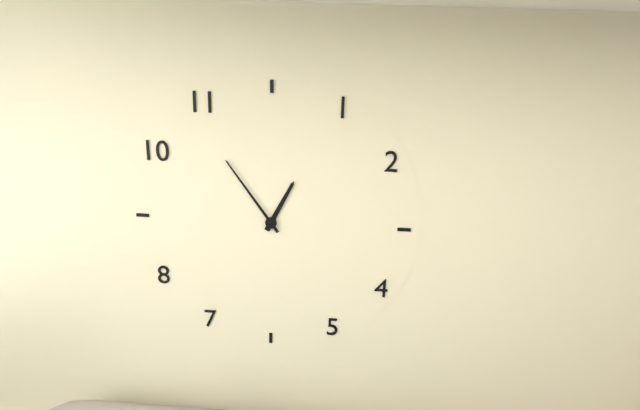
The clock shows 12h54
